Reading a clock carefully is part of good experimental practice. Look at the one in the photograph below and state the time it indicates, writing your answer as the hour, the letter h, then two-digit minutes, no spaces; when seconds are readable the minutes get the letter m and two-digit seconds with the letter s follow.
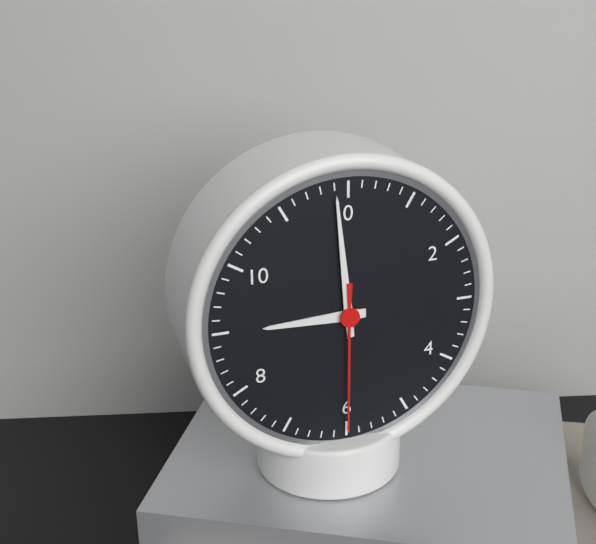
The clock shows 8h59m30s
